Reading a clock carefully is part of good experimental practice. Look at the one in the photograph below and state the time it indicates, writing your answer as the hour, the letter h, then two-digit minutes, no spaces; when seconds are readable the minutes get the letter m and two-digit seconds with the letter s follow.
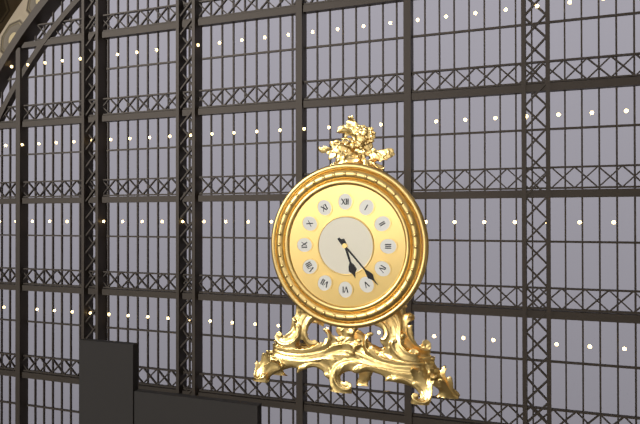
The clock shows 5h23
